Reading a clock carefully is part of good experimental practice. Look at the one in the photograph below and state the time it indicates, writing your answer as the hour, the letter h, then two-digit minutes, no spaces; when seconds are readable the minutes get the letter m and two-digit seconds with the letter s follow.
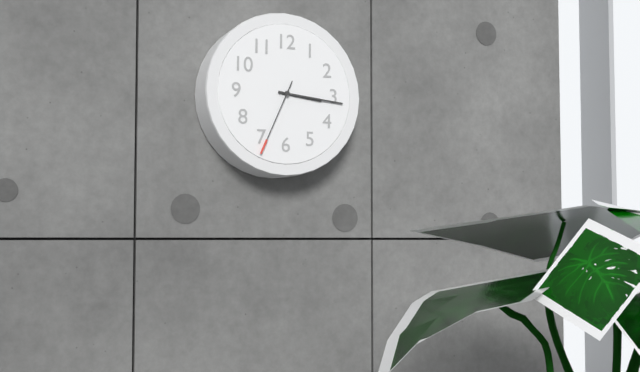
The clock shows 3h16m34s
